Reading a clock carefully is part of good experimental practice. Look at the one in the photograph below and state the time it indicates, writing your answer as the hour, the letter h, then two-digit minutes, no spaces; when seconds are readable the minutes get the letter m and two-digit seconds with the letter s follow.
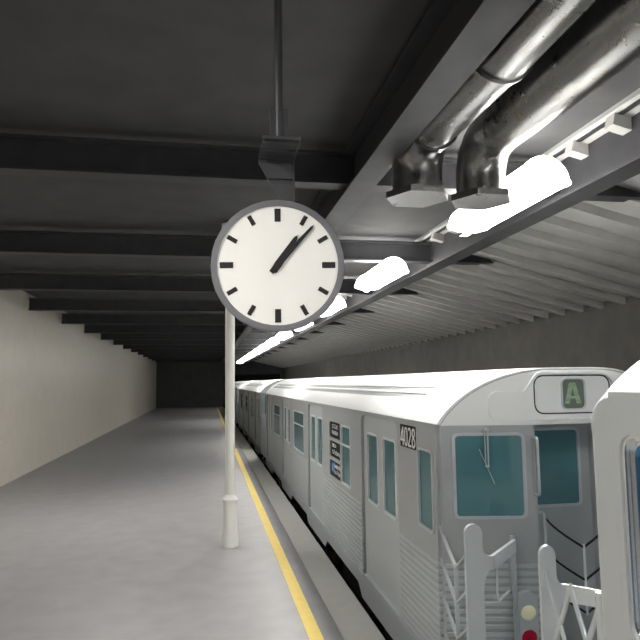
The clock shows 1h07
